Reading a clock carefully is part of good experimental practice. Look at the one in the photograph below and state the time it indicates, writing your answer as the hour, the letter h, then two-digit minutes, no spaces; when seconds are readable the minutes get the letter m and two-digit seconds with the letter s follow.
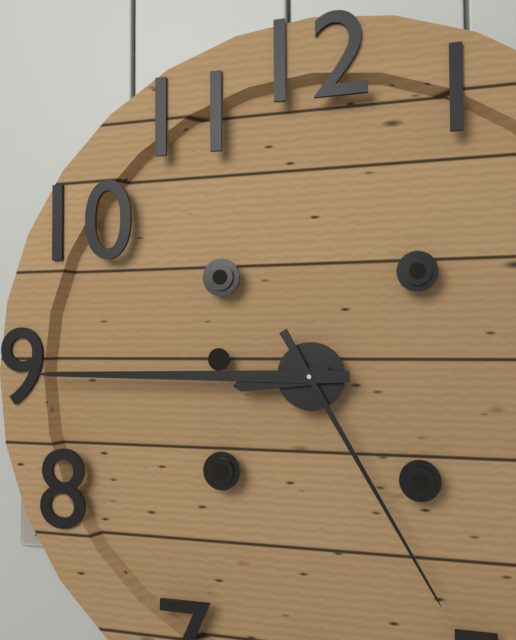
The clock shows 8h45m25s
